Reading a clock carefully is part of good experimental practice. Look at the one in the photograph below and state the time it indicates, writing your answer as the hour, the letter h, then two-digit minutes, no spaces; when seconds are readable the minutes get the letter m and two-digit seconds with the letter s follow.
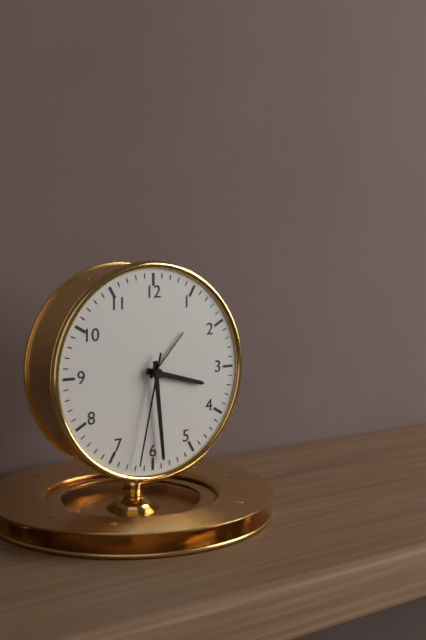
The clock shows 3h29m32s
